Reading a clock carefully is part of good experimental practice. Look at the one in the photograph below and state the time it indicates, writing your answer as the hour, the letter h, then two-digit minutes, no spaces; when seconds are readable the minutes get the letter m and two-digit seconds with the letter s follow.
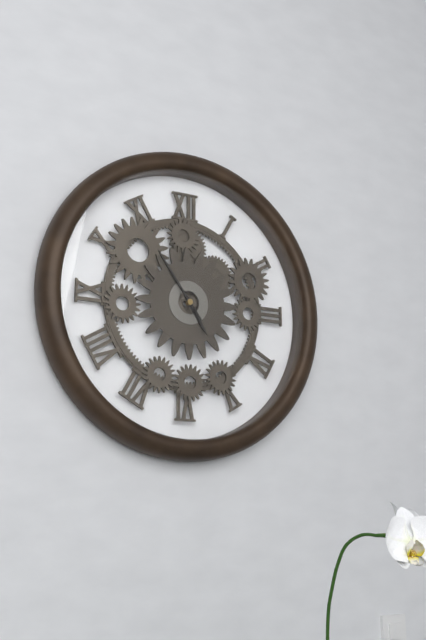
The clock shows 4h54
